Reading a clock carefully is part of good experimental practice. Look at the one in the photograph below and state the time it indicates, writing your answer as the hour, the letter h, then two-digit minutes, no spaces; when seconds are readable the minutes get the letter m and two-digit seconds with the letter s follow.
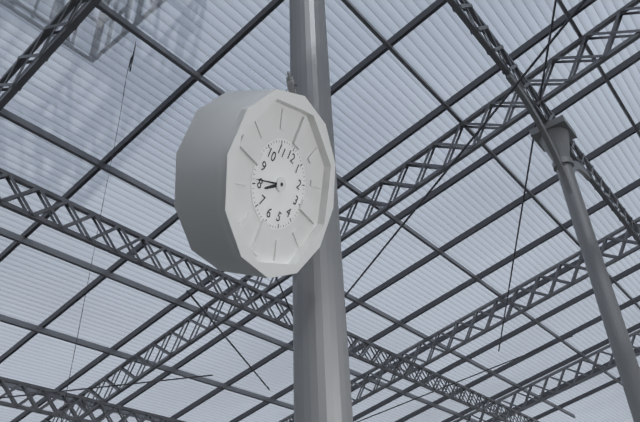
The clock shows 7h41
